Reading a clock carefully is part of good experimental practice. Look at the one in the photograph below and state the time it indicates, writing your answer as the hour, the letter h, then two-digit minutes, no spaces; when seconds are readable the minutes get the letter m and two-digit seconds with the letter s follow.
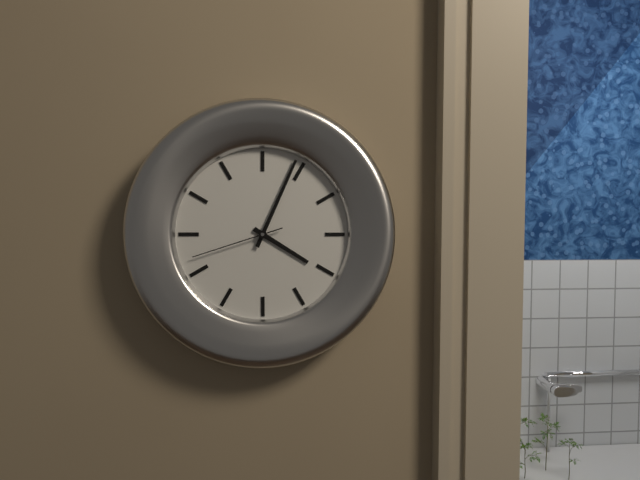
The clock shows 4h04m42s
